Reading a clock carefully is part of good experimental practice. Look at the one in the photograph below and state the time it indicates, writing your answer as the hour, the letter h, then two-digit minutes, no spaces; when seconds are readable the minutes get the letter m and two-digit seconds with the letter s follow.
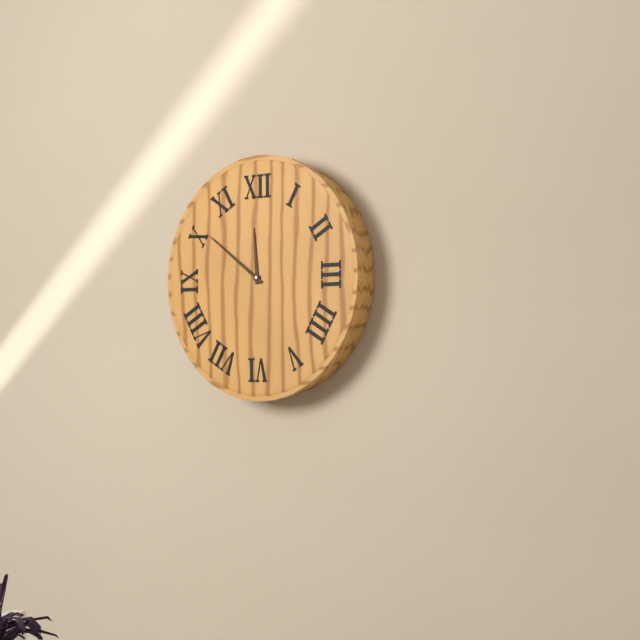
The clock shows 11h51
